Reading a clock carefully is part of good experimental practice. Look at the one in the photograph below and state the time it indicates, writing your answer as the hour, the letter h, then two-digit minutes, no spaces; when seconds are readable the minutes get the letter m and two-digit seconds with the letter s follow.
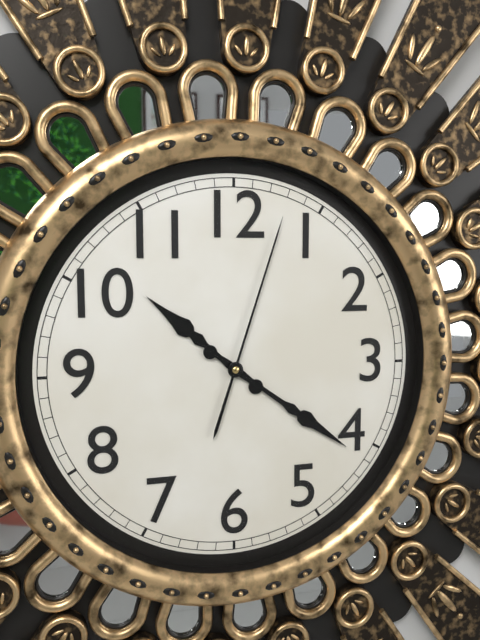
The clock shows 10h21m03s
